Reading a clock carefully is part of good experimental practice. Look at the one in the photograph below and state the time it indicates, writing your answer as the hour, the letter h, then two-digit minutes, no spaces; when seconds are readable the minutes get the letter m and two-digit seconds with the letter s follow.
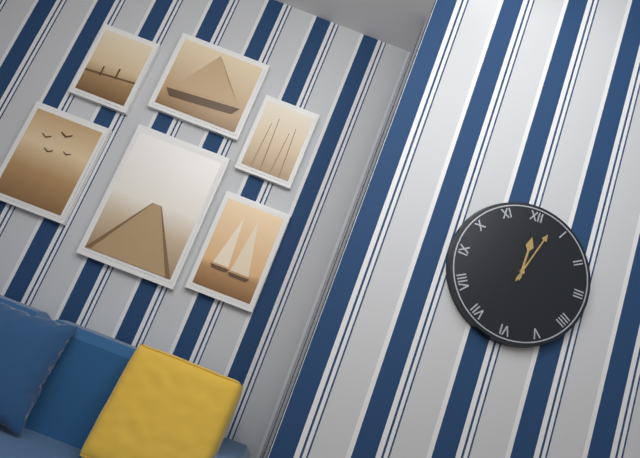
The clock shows 12h03
